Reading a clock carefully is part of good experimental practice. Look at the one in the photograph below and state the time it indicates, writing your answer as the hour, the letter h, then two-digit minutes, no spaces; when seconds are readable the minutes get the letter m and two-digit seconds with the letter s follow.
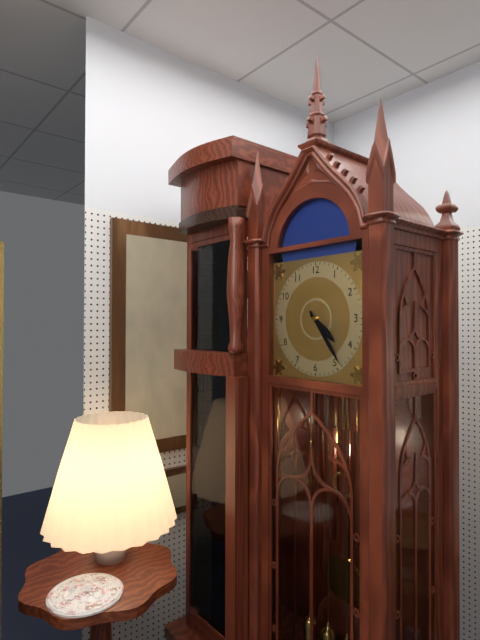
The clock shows 4h24
